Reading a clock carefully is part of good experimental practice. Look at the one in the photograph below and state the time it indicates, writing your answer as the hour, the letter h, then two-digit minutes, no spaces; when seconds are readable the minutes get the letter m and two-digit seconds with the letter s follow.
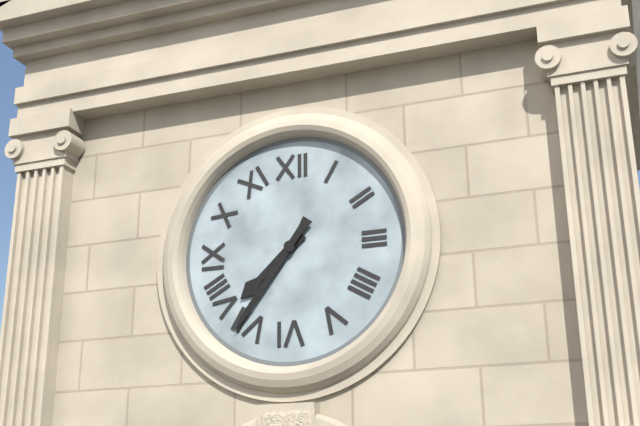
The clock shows 7h36
